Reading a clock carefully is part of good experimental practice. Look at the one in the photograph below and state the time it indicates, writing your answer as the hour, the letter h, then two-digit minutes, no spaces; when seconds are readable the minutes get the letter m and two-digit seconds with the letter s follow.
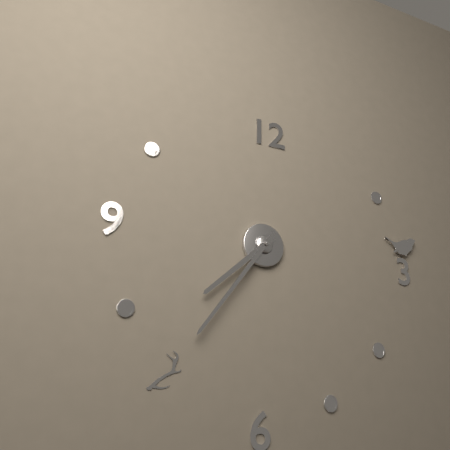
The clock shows 7h36
